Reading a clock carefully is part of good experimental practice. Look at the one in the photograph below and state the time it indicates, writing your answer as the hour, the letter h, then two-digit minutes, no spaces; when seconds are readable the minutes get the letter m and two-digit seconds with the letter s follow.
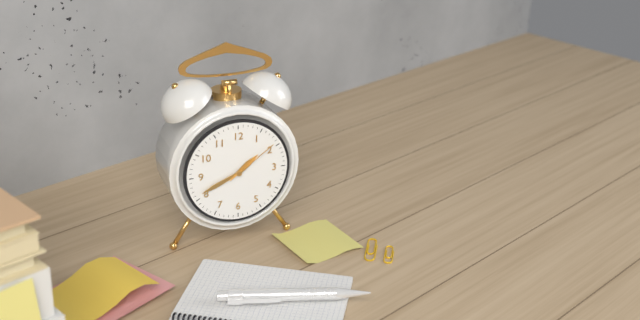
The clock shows 1h41m09s
